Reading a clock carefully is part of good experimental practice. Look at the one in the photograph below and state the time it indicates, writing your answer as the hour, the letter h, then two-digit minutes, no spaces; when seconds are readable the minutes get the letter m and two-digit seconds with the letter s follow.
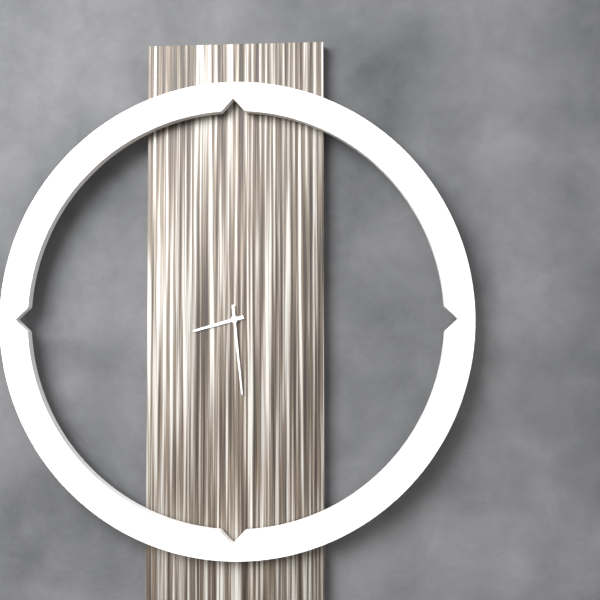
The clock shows 8h29
